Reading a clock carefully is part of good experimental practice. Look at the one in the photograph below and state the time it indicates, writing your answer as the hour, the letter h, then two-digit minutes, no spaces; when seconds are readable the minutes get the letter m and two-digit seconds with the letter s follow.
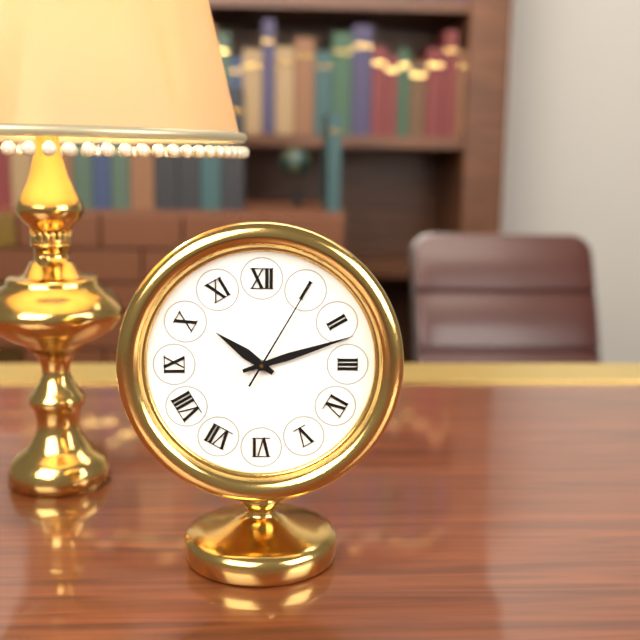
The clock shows 10h12m05s
